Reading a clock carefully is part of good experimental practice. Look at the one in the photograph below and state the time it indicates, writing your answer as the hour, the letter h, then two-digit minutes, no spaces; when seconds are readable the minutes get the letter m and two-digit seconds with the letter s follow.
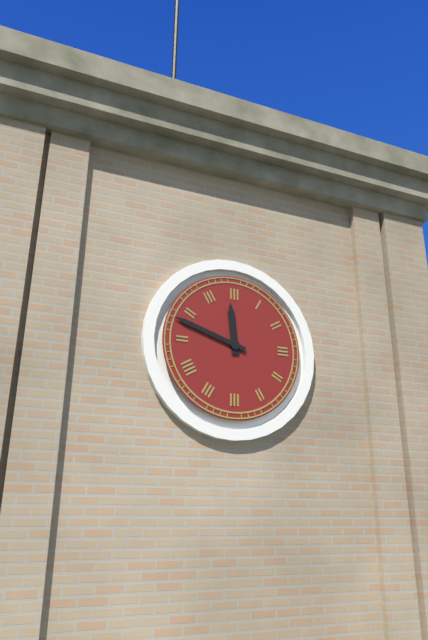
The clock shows 11h48
